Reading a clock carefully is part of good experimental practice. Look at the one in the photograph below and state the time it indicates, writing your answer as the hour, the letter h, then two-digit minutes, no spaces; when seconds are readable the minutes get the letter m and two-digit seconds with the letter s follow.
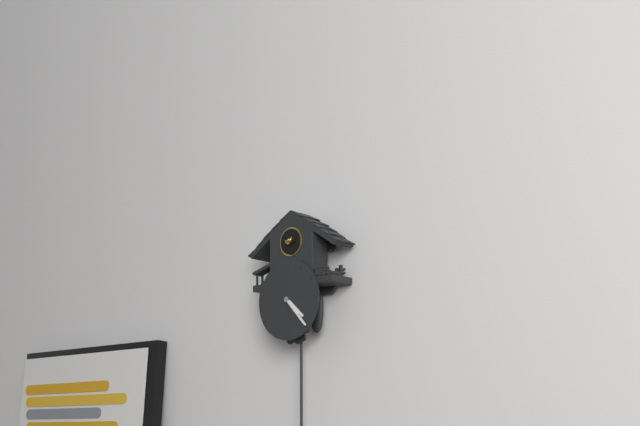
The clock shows 4h23
